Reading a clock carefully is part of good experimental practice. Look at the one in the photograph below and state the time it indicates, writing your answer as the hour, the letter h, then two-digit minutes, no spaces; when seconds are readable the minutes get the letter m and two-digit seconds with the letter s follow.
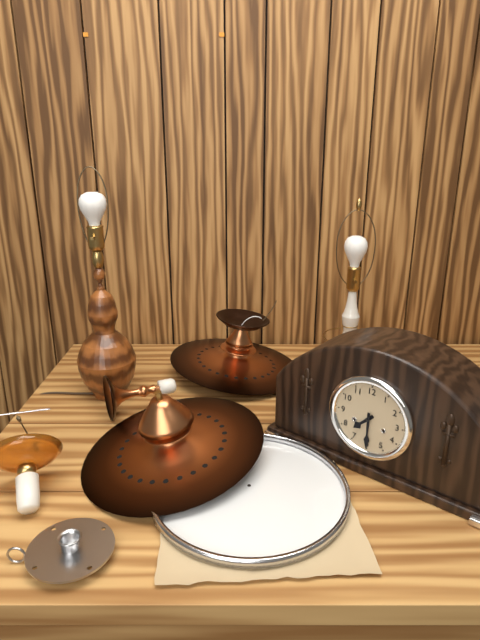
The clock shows 7h30
